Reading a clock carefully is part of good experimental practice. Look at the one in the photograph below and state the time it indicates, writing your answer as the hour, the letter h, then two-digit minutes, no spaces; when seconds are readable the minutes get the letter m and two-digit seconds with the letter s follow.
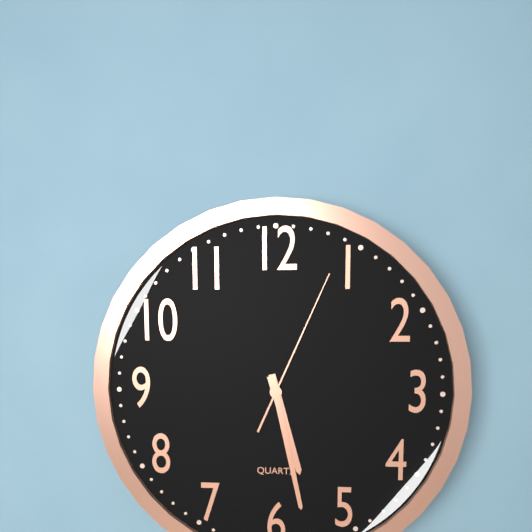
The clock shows 5h28m04s
